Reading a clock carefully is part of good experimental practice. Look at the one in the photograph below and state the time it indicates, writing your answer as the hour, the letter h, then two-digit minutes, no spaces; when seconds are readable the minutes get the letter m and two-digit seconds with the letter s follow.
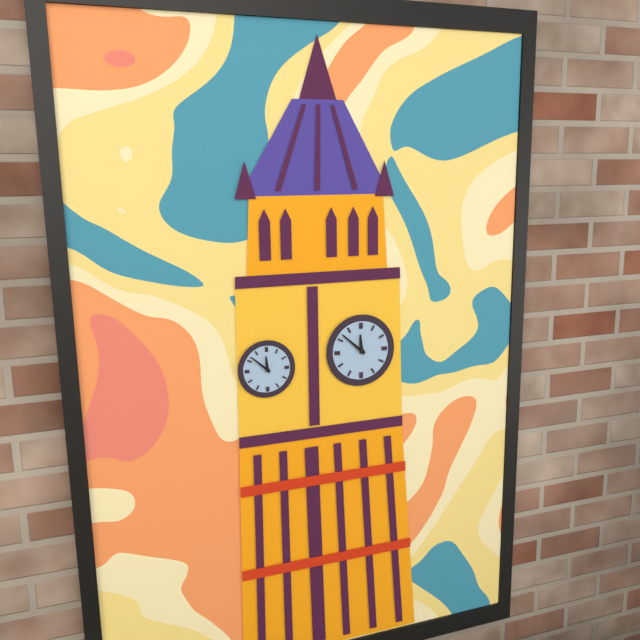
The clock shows 11h52
